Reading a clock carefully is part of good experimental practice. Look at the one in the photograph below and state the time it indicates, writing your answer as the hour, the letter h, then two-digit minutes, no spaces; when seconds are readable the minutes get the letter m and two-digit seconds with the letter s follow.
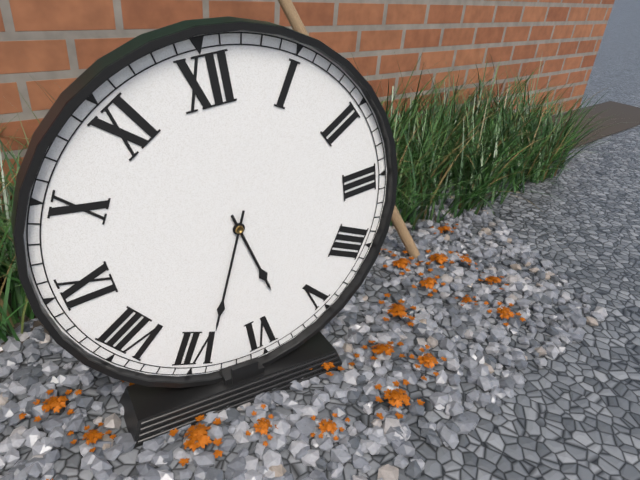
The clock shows 5h34
